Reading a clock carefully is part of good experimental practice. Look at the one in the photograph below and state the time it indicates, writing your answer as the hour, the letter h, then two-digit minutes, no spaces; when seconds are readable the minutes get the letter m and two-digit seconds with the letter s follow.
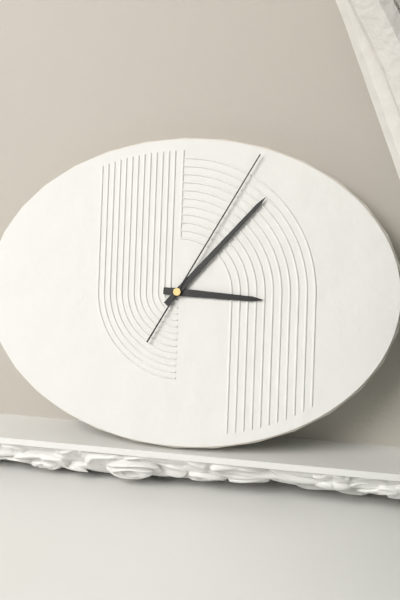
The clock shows 3h07m05s
